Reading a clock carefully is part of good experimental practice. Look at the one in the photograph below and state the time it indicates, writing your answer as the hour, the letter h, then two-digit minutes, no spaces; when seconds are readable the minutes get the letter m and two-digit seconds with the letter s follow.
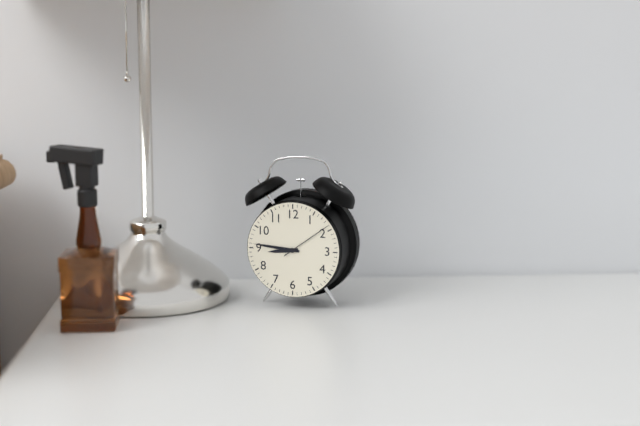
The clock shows 8h46m09s
